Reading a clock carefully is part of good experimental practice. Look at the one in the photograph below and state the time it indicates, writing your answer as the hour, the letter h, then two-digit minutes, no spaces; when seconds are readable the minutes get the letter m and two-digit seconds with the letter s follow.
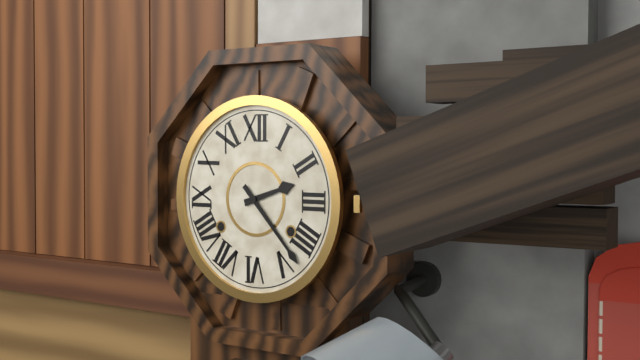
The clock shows 2h23
